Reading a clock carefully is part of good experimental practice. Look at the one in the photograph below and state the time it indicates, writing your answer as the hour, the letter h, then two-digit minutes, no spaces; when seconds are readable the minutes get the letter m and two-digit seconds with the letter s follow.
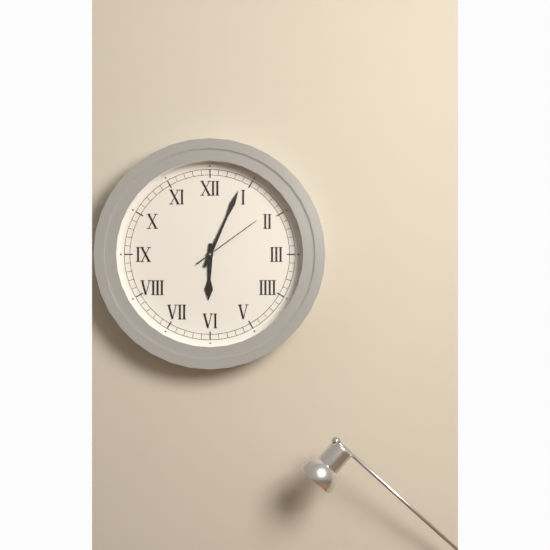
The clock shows 6h04m09s
